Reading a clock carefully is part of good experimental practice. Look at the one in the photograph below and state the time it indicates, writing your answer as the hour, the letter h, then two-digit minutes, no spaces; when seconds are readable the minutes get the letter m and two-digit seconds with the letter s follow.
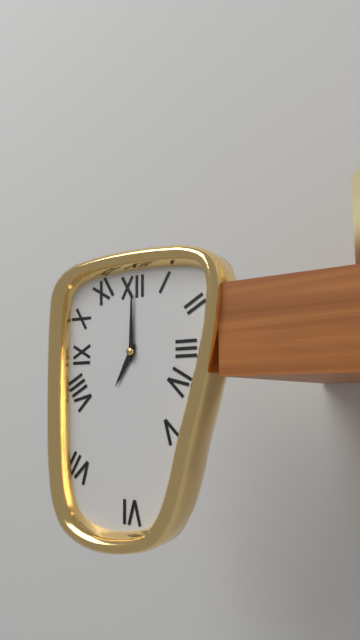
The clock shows 7h00
